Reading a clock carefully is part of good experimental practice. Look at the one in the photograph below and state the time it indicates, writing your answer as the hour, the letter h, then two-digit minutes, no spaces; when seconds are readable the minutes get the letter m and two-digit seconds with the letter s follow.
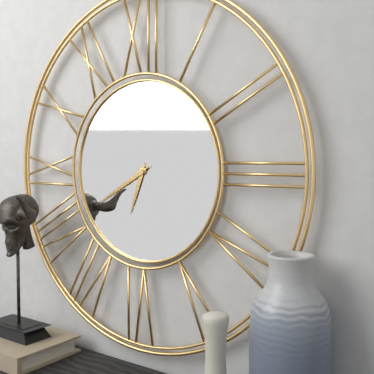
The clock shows 6h40
